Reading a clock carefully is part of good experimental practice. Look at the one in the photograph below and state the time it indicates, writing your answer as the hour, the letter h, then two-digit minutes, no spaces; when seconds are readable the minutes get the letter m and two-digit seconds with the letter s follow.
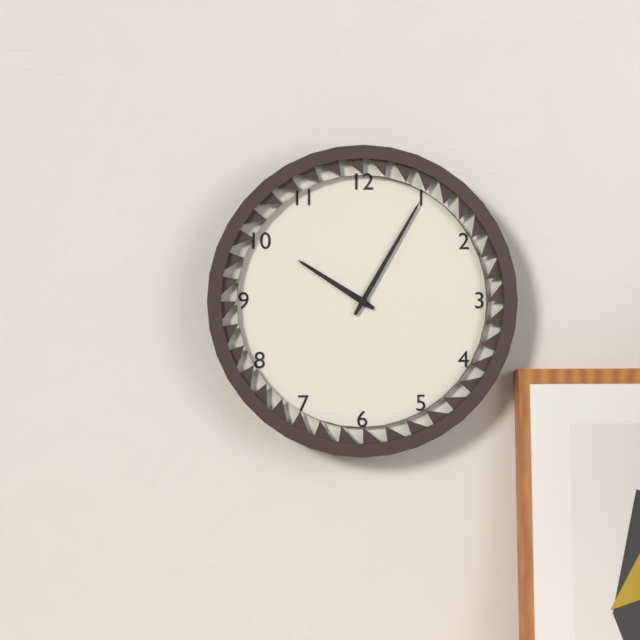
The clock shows 10h05
